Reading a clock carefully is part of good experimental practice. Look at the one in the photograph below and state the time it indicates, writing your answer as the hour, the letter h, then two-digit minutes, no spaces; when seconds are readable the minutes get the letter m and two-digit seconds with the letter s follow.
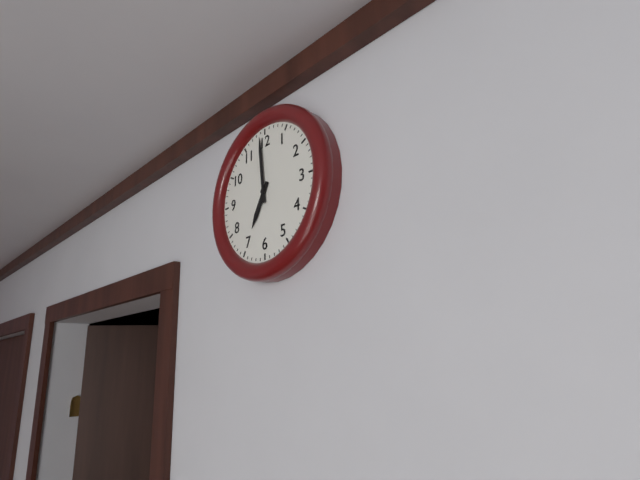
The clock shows 6h59
